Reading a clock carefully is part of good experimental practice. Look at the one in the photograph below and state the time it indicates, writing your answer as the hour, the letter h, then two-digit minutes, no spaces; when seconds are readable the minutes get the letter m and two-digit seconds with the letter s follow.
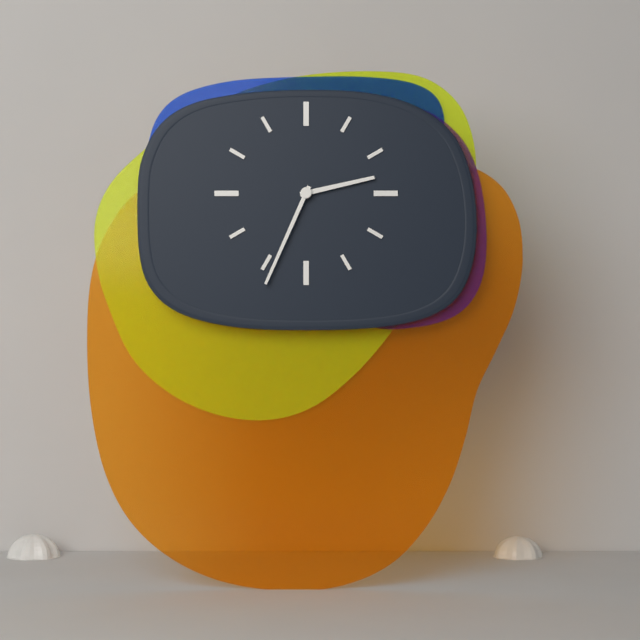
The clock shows 2h34
